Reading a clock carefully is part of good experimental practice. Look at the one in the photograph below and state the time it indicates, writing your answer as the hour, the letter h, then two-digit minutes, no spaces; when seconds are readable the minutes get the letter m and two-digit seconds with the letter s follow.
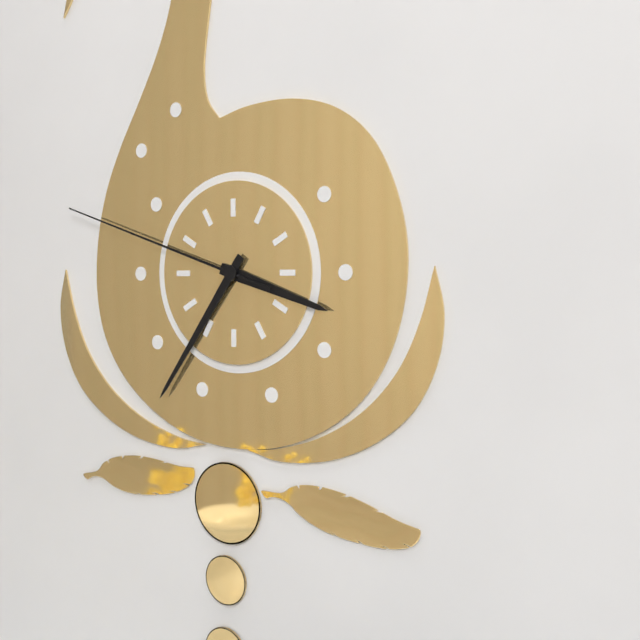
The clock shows 3h36m48s
